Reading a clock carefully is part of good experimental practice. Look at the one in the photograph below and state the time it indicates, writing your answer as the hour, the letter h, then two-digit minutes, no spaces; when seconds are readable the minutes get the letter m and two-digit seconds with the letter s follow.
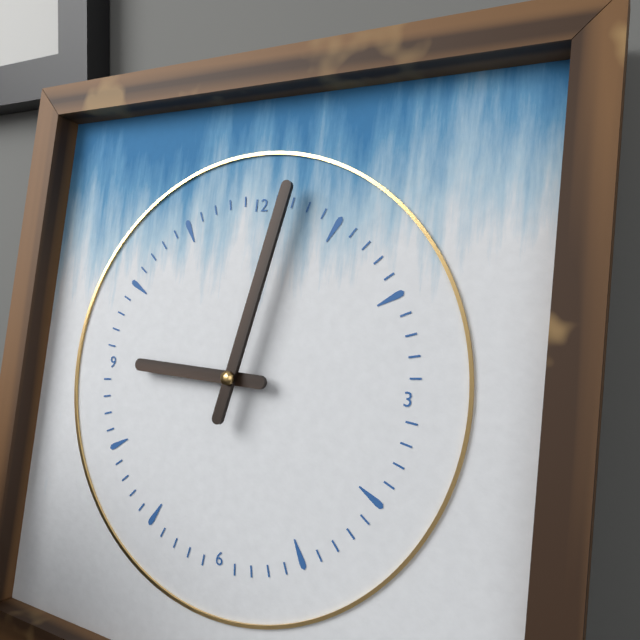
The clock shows 9h02
